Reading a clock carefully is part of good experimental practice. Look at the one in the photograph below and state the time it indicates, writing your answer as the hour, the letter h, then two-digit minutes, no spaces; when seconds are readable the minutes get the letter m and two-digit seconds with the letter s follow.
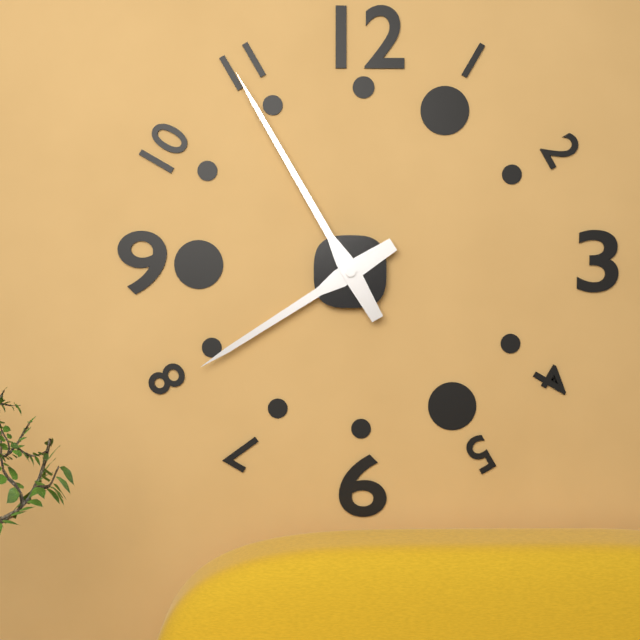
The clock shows 7h55
